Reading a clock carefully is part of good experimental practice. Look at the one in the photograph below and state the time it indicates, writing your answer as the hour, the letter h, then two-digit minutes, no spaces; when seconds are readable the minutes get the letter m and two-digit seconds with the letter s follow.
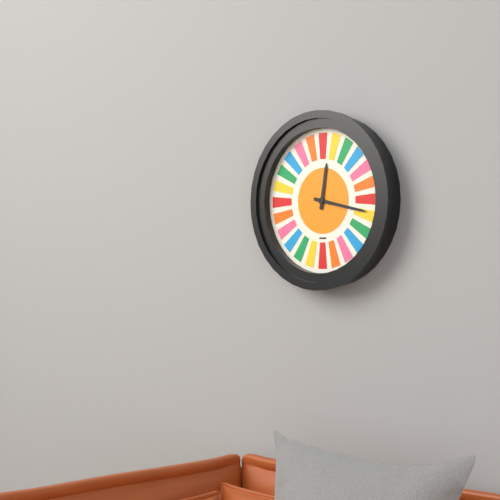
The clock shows 12h17
